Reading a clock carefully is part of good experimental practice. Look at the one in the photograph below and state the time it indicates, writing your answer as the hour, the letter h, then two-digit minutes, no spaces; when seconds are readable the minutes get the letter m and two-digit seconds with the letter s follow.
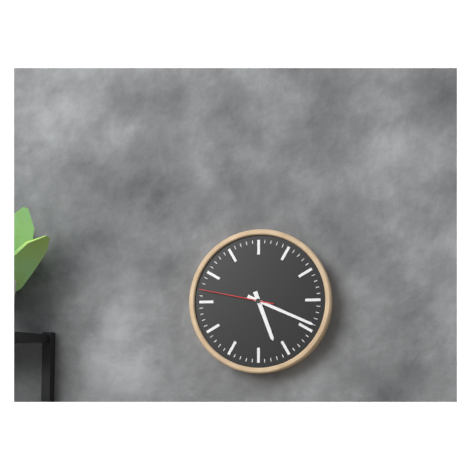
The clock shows 5h19m47s
